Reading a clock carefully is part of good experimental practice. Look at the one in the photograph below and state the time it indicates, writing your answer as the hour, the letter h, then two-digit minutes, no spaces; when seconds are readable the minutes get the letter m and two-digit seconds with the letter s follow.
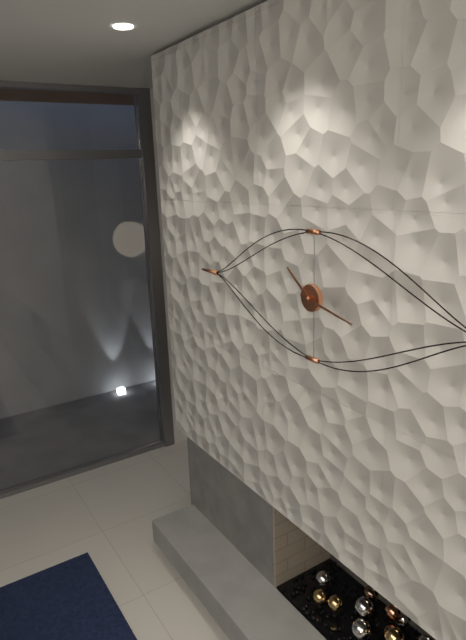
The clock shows 10h17
